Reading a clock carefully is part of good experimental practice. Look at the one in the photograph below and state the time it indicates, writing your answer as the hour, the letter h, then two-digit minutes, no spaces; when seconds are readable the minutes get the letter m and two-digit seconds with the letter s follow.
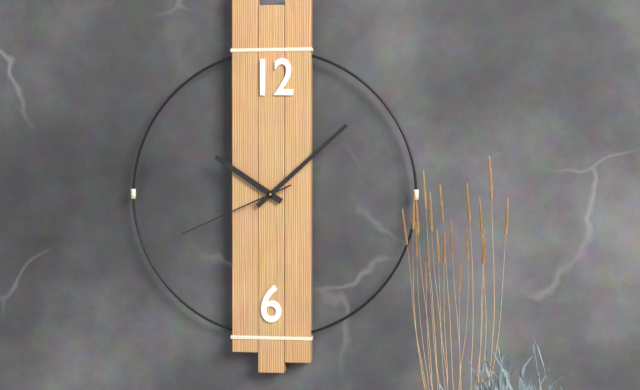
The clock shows 10h08m41s
